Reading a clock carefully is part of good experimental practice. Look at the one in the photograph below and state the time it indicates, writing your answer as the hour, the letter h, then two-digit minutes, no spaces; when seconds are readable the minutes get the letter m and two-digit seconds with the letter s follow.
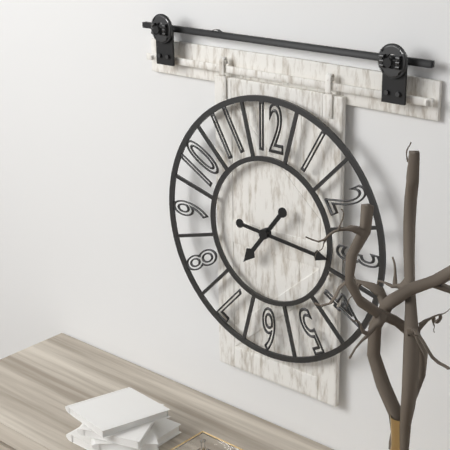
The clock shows 7h16
